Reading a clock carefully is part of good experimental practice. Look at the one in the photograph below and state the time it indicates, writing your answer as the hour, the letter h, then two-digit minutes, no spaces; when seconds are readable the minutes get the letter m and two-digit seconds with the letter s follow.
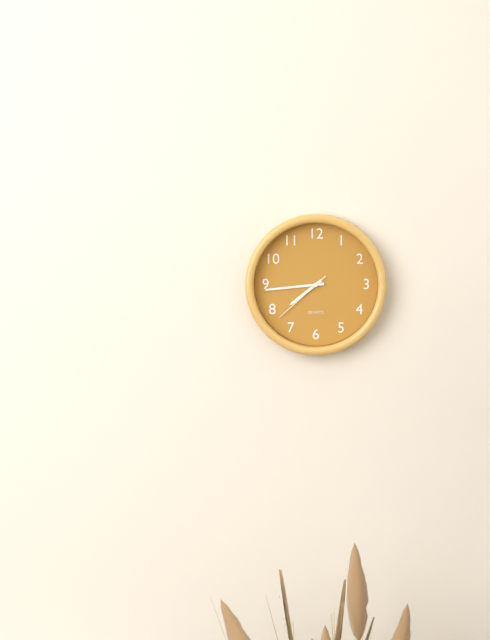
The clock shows 7h44m38s
